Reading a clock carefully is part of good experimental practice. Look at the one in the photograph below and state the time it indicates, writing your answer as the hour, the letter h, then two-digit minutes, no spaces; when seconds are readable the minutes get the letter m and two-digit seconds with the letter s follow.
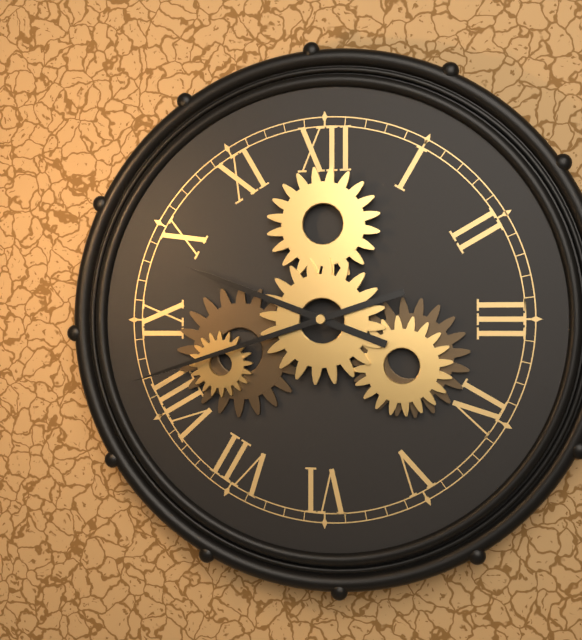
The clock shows 9h42
